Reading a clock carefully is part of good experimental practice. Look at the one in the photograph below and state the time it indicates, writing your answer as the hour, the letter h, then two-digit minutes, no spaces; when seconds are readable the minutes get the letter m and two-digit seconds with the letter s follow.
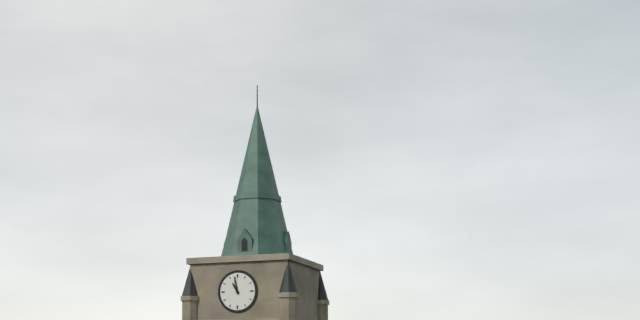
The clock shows 10h58
